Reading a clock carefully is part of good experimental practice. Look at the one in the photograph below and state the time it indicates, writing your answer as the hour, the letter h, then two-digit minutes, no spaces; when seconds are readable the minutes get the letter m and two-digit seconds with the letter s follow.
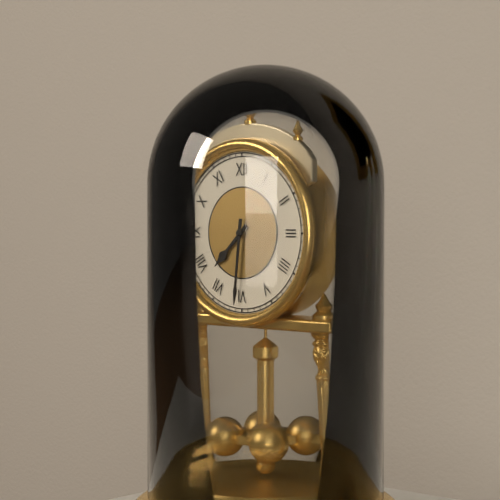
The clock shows 7h31
